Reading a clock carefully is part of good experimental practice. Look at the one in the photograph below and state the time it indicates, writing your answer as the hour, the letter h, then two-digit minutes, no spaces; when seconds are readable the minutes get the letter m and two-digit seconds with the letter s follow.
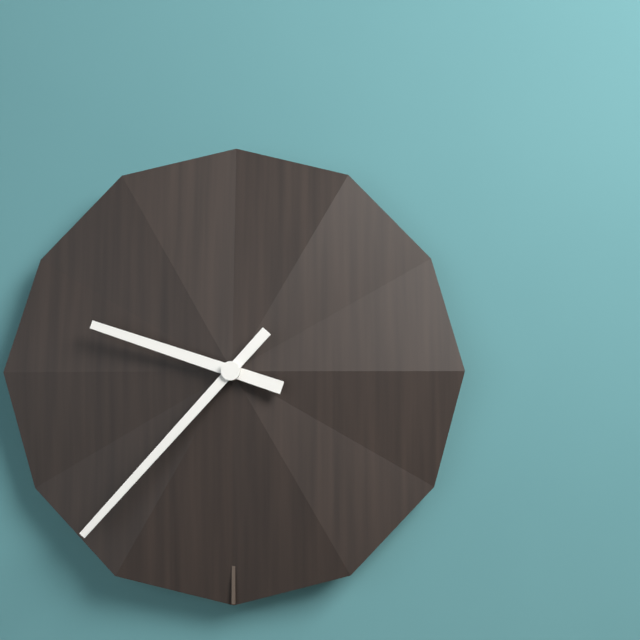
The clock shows 9h37
